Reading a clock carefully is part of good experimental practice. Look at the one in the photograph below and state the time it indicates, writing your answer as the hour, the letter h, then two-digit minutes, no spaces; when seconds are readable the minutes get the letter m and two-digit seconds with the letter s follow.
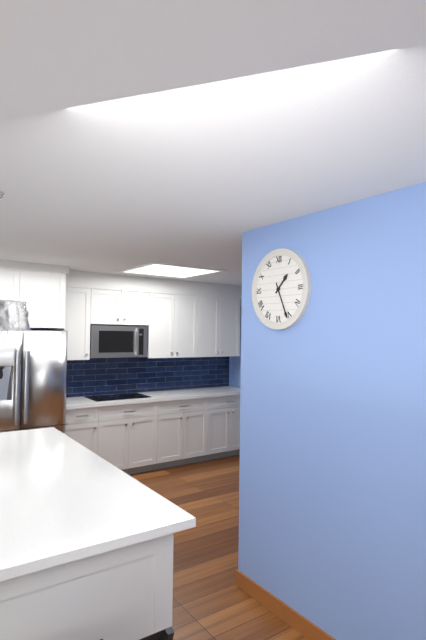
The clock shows 1h26
